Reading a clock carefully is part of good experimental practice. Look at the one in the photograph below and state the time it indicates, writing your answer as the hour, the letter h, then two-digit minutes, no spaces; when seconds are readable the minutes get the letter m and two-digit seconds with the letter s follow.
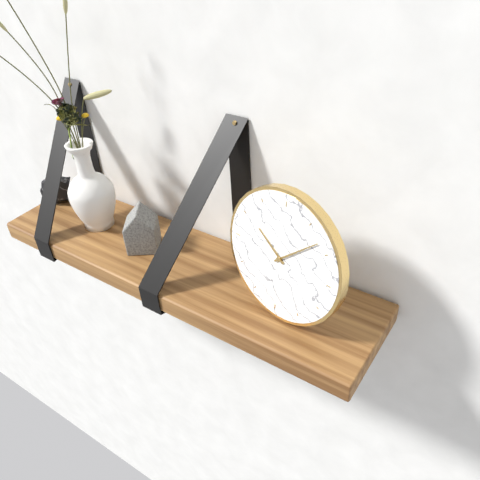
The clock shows 10h08
